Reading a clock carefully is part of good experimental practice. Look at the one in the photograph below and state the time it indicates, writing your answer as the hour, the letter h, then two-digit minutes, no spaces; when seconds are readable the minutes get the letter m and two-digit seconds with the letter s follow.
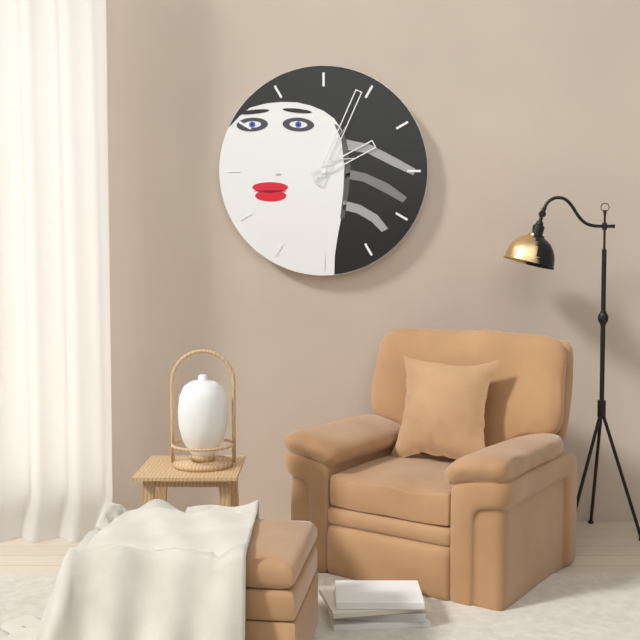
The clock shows 2h04
